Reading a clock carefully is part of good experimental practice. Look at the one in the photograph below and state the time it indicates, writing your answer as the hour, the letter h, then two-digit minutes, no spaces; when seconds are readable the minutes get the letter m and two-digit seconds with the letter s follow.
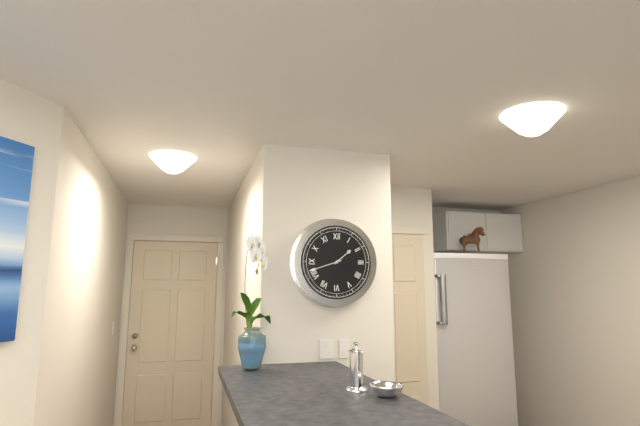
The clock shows 1h42
